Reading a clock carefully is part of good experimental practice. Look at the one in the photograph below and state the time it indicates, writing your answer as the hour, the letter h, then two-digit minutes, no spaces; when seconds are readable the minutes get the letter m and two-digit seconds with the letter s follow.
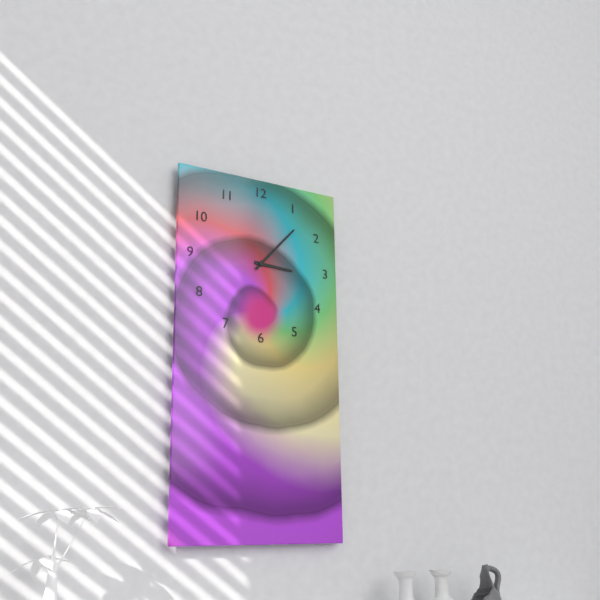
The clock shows 3h07
